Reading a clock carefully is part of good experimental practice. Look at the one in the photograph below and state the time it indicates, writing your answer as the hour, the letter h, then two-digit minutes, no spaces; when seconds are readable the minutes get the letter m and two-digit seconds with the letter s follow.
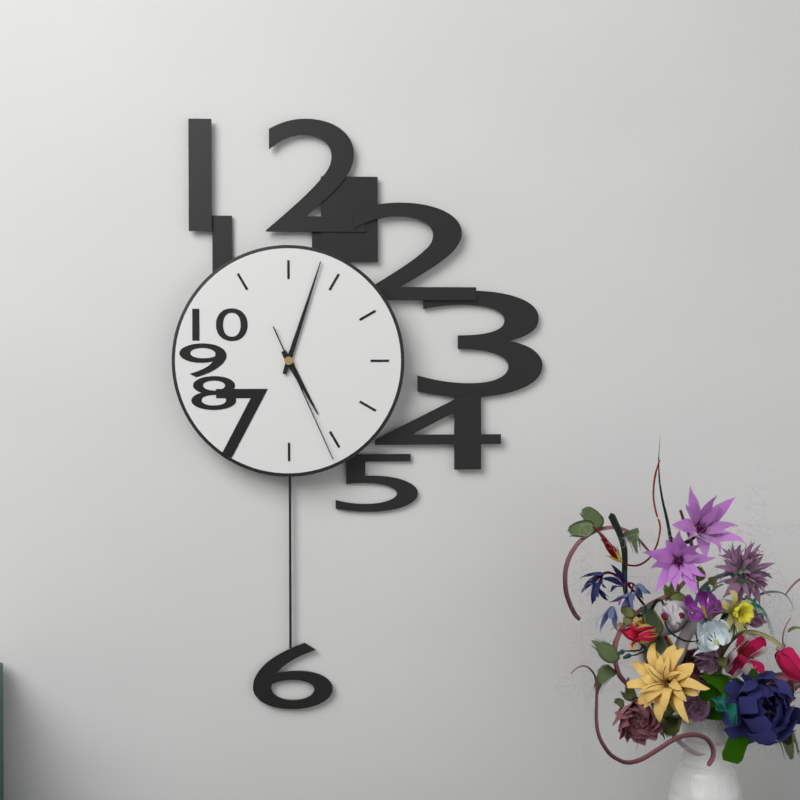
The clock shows 5h03m26s
